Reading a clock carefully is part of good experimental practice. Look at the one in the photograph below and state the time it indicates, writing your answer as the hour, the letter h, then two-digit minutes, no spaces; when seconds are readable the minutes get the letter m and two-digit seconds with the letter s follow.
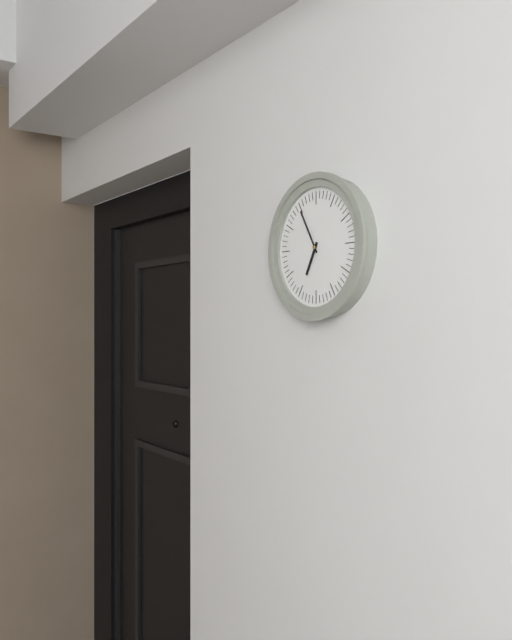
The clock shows 6h55
